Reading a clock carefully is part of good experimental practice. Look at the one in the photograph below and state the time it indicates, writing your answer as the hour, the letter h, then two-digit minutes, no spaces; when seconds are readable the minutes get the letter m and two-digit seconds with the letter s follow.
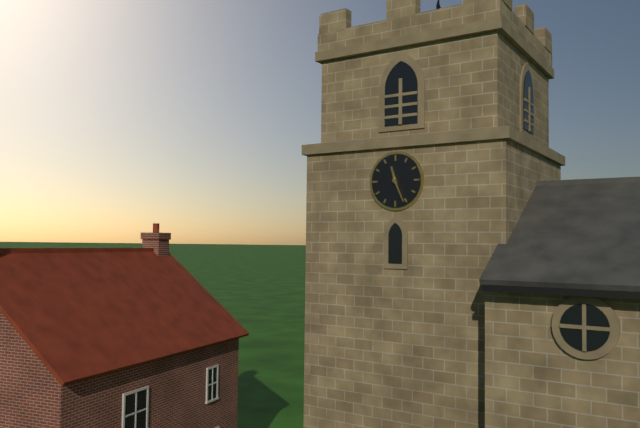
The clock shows 11h26
